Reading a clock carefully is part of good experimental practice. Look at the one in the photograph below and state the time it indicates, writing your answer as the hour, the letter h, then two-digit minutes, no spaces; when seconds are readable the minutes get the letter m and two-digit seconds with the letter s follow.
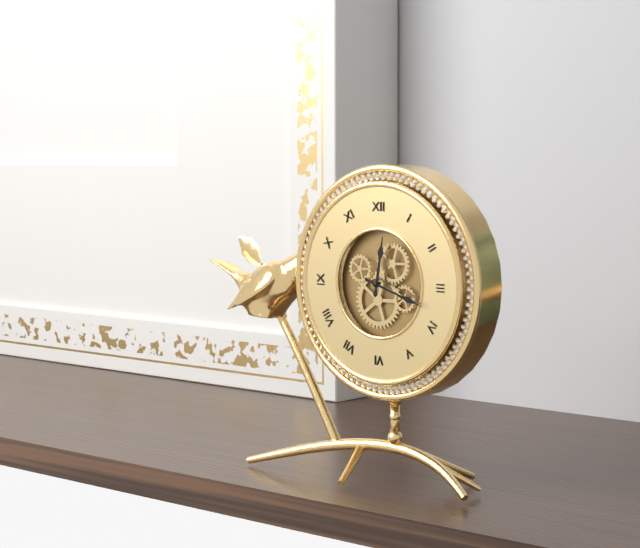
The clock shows 12h18
